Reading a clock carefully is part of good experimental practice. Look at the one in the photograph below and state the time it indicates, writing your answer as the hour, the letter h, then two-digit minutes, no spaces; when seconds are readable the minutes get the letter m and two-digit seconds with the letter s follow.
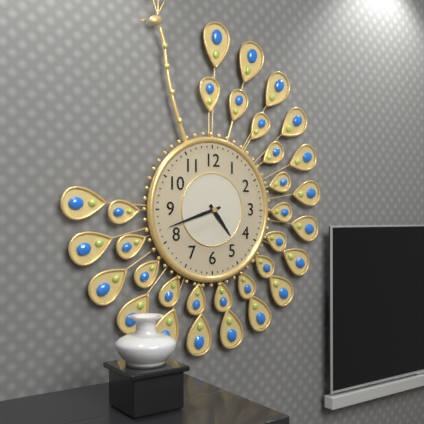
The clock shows 4h42
